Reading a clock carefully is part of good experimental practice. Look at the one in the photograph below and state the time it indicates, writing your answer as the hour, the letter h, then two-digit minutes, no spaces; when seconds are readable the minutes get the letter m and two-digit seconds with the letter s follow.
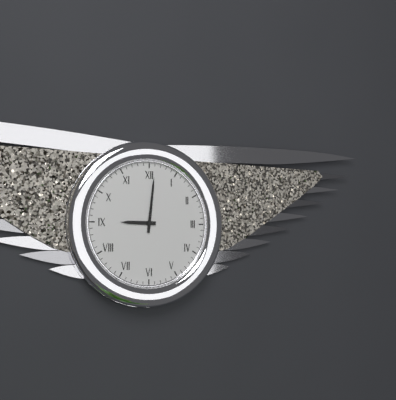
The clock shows 9h01
